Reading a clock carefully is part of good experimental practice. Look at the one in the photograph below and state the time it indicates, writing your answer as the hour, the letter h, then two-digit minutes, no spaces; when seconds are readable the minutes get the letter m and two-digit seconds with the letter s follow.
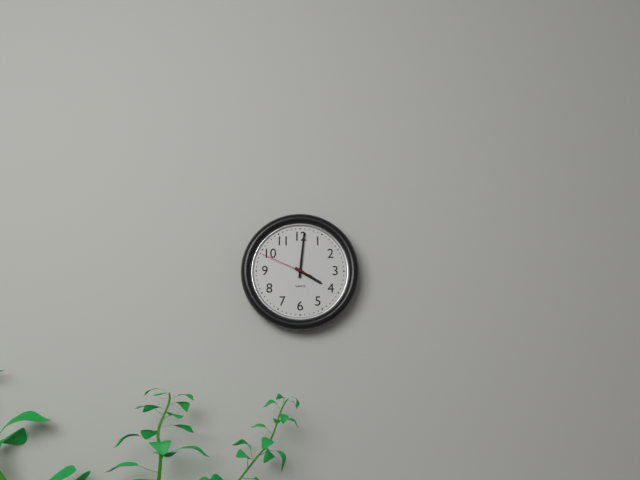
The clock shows 4h01m49s
